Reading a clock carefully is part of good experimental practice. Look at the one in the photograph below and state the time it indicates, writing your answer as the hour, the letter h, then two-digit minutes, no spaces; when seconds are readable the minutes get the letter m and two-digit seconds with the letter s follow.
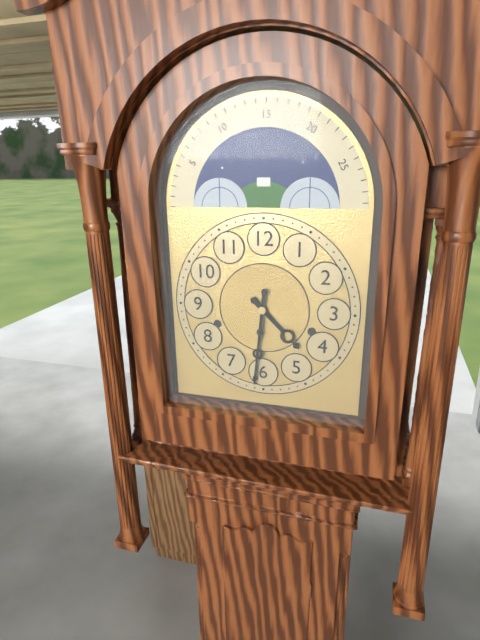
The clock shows 4h31
